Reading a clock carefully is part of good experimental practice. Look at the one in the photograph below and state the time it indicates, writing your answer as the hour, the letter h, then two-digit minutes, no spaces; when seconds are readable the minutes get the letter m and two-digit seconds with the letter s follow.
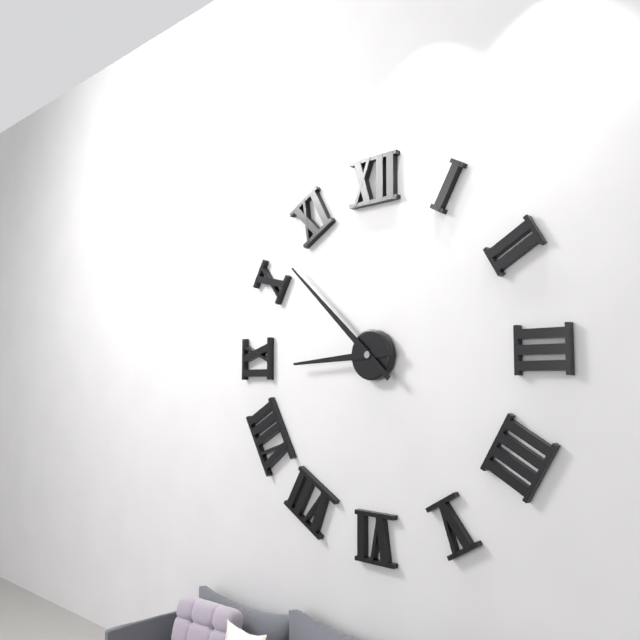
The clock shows 8h52
